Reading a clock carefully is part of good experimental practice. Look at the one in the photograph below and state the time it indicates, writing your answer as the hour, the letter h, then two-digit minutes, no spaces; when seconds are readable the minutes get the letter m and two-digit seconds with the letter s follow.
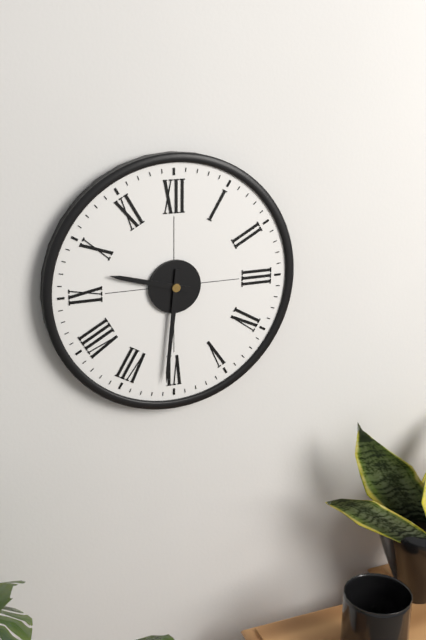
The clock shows 9h31
